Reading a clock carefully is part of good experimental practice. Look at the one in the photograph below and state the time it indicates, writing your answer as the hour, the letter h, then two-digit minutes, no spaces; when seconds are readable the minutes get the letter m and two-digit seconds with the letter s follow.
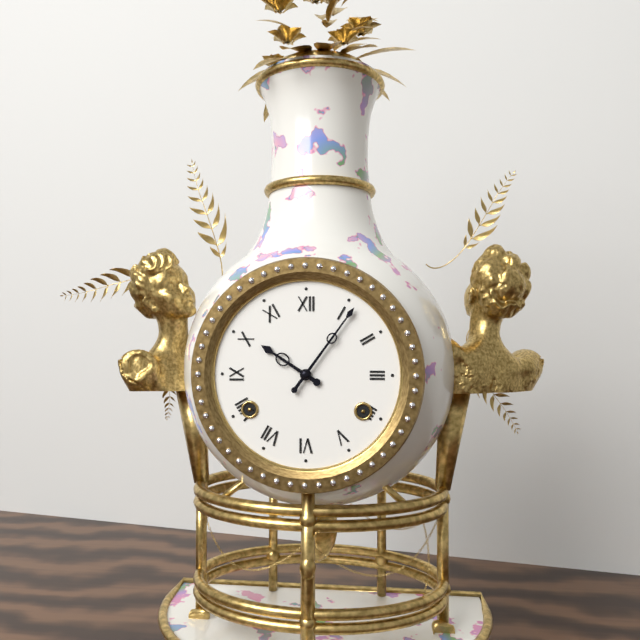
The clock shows 10h06
